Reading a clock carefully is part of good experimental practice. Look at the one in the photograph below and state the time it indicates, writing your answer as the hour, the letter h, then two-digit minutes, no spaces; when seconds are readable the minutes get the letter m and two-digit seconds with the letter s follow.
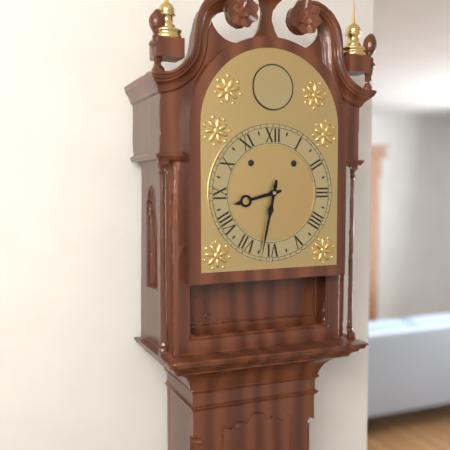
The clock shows 8h32
